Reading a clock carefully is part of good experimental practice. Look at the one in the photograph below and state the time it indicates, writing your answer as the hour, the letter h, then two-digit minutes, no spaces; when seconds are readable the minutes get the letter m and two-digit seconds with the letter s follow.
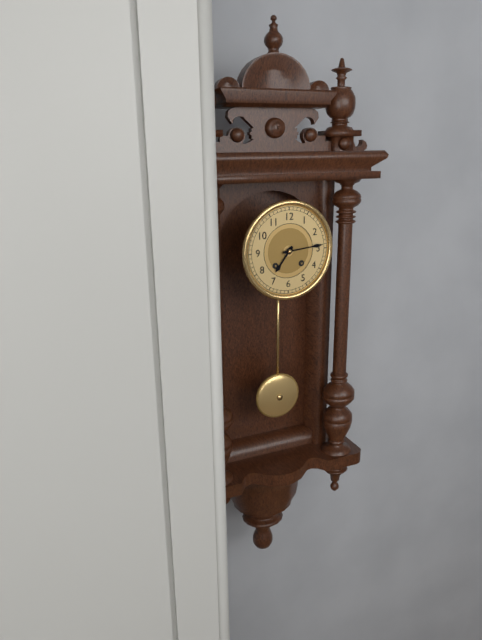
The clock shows 7h14
